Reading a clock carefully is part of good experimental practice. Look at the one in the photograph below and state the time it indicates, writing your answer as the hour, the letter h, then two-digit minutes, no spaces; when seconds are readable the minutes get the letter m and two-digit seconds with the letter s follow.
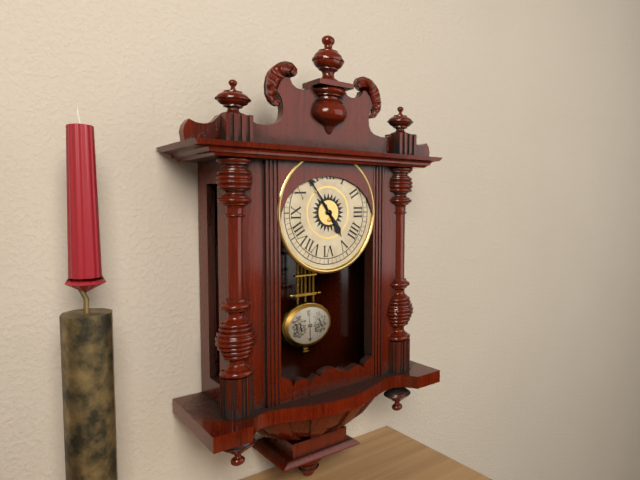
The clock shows 4h54
